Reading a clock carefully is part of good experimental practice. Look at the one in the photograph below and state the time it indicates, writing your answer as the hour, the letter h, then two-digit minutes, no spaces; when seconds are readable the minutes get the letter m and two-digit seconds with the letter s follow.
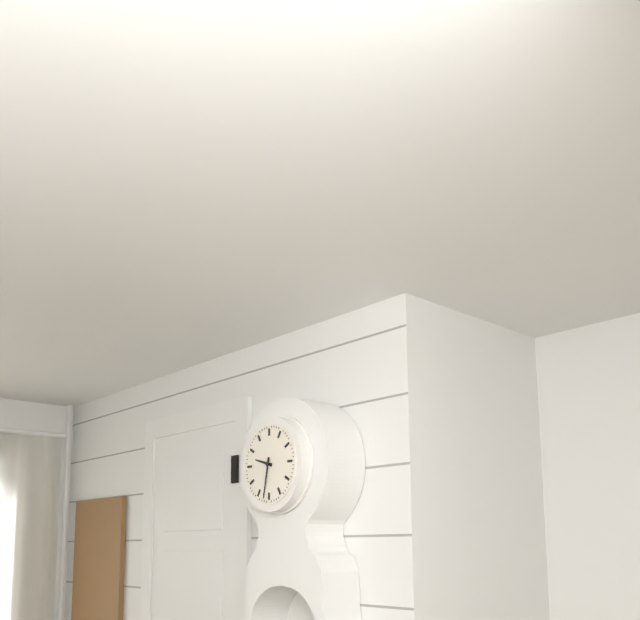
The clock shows 9h32
